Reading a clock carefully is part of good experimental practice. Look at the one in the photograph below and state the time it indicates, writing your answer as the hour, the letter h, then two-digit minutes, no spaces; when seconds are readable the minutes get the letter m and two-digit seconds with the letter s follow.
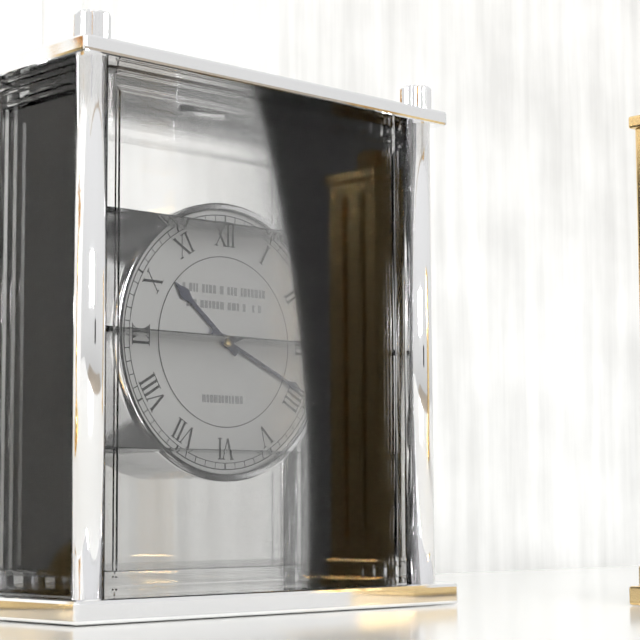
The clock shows 10h19
